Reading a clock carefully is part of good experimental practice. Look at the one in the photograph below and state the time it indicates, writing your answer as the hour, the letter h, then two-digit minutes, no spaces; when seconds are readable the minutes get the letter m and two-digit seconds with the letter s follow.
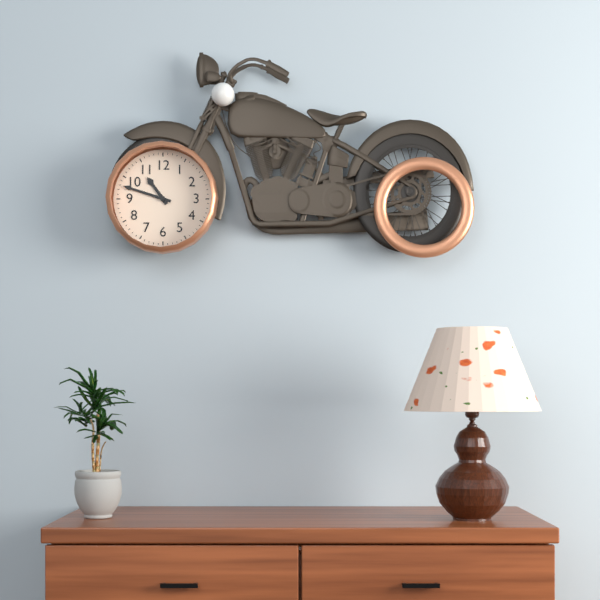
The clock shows 10h48
